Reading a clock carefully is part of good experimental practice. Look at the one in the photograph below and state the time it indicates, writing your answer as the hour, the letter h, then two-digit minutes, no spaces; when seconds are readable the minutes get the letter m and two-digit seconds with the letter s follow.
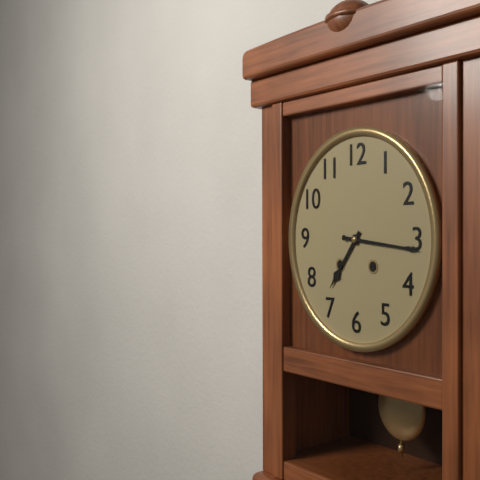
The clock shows 7h16
